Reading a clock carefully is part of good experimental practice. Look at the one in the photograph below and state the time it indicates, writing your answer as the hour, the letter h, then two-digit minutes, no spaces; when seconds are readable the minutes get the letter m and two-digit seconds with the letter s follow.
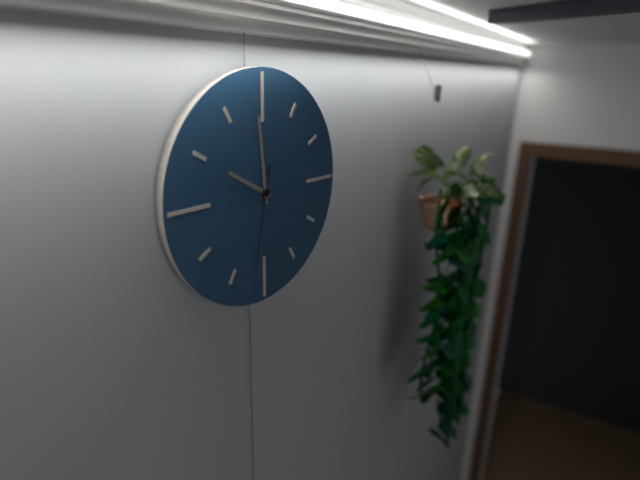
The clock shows 9h59m32s
